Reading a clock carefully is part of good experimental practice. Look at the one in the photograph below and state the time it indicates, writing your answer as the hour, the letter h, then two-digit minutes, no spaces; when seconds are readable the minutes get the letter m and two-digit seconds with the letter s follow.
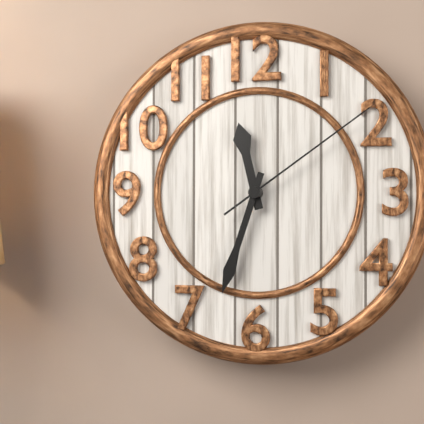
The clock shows 11h33m09s
